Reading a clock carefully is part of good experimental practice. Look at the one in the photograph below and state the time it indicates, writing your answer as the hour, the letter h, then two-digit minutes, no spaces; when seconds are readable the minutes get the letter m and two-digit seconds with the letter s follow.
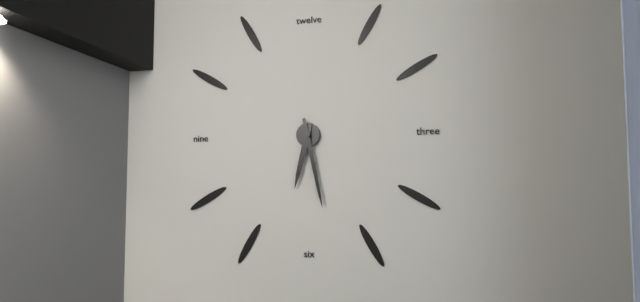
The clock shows 6h28
